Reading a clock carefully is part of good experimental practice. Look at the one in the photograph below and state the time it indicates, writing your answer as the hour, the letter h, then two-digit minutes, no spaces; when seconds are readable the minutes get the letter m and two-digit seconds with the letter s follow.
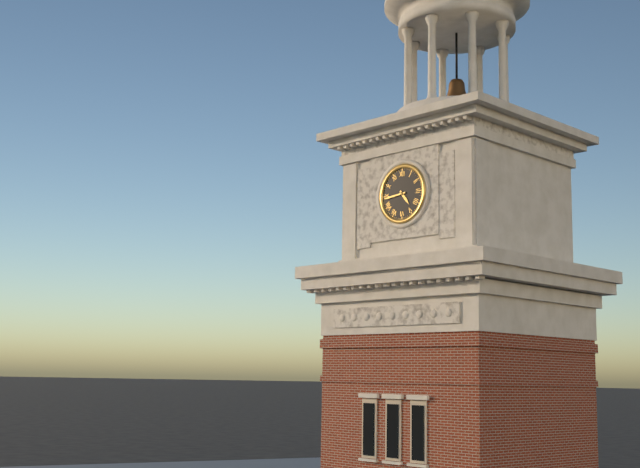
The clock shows 4h44
